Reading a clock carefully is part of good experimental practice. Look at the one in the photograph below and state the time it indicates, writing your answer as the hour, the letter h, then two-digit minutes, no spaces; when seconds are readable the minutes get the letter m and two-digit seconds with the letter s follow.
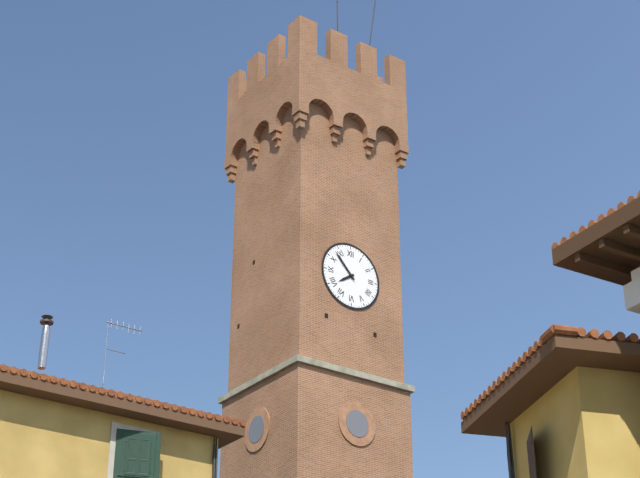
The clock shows 7h53
